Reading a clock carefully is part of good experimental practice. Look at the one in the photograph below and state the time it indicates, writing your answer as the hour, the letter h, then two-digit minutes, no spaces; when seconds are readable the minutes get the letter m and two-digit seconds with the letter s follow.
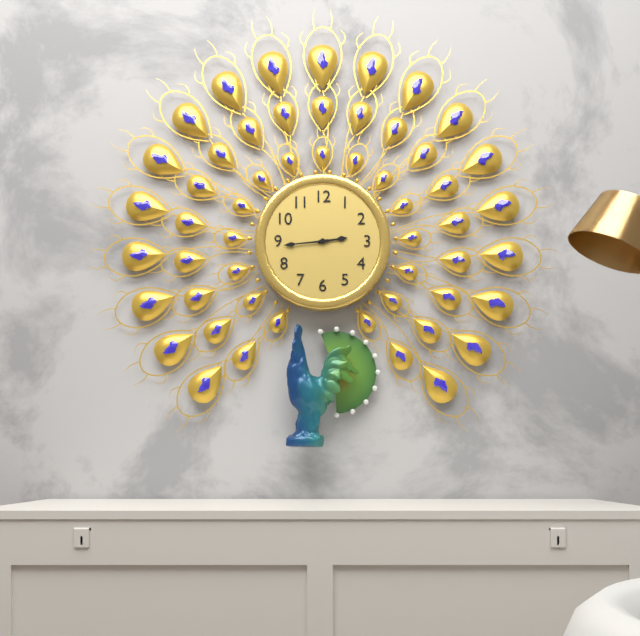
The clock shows 2h44
